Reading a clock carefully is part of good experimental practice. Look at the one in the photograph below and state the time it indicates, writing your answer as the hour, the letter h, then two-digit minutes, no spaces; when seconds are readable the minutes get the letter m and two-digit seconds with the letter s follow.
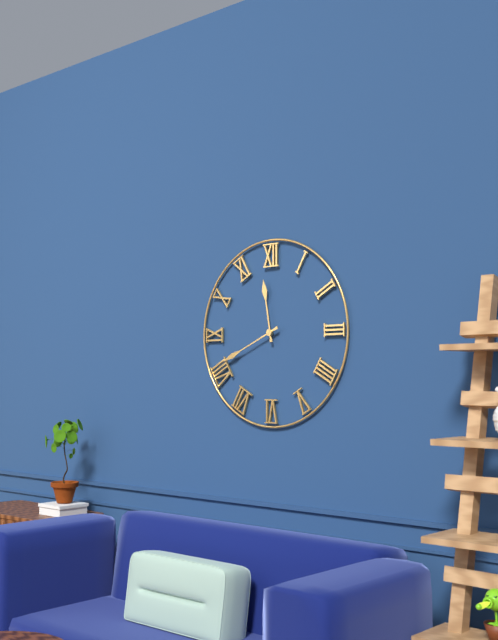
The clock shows 11h41
